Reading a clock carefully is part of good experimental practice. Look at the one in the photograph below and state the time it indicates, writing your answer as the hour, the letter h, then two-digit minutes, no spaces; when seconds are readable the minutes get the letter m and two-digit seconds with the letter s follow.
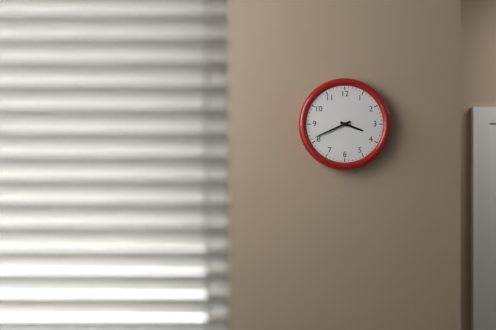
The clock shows 3h41
